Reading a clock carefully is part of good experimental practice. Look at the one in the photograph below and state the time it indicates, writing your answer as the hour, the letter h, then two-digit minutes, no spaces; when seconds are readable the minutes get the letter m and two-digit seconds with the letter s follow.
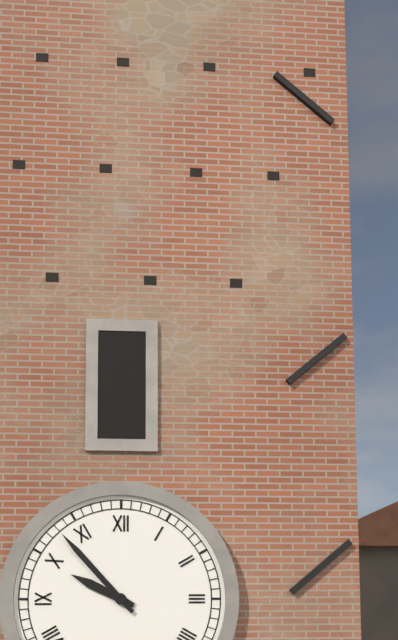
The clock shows 9h53
